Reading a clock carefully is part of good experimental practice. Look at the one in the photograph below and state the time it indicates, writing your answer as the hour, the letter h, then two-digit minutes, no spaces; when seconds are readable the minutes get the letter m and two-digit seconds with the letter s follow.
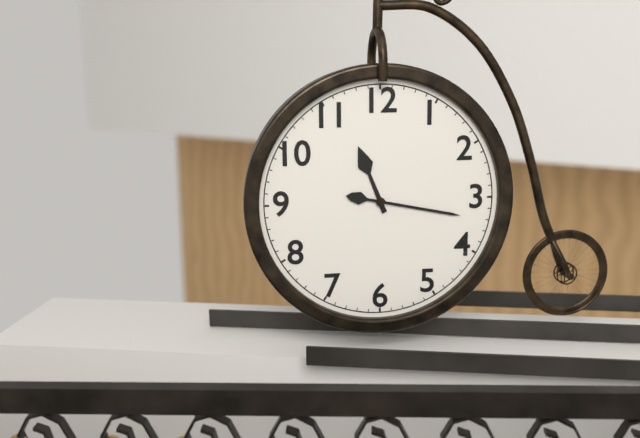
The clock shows 11h17
